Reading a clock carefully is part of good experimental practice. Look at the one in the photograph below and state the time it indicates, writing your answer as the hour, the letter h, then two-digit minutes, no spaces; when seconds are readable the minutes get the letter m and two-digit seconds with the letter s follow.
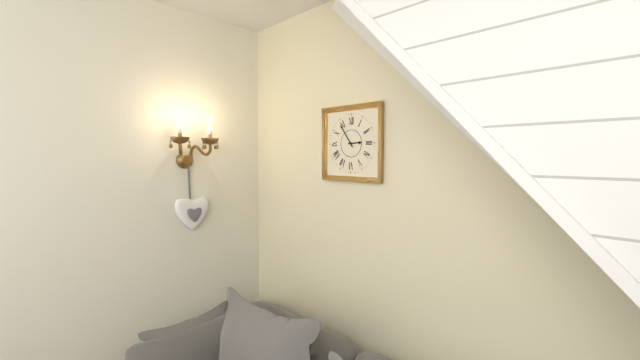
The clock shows 2h54
